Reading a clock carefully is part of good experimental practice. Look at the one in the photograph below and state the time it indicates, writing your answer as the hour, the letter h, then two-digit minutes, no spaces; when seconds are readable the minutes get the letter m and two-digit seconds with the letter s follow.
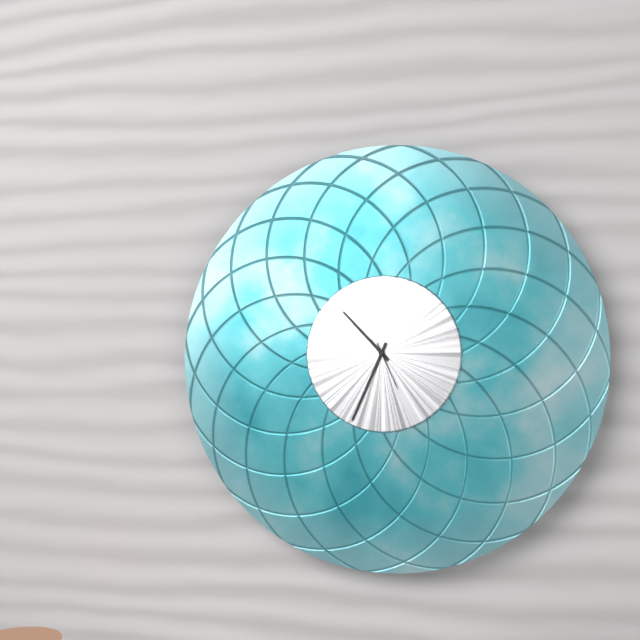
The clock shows 10h34
